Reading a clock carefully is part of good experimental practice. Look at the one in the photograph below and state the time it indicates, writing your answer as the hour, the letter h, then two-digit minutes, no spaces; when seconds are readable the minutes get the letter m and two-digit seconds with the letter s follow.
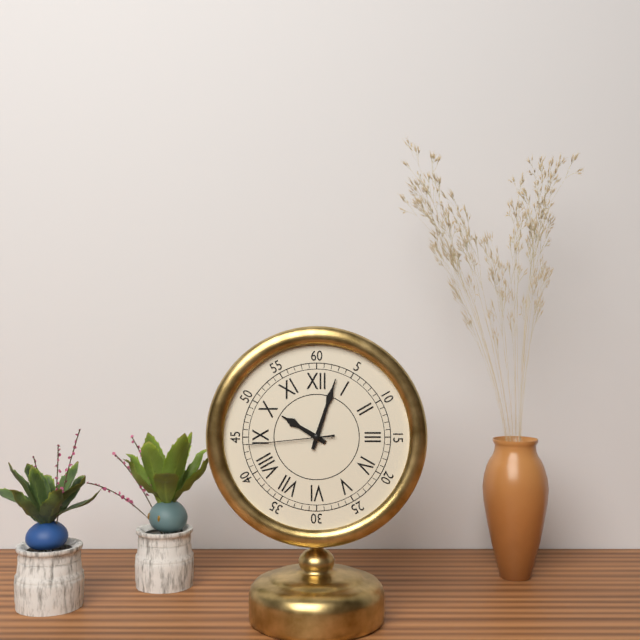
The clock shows 10h03m44s
